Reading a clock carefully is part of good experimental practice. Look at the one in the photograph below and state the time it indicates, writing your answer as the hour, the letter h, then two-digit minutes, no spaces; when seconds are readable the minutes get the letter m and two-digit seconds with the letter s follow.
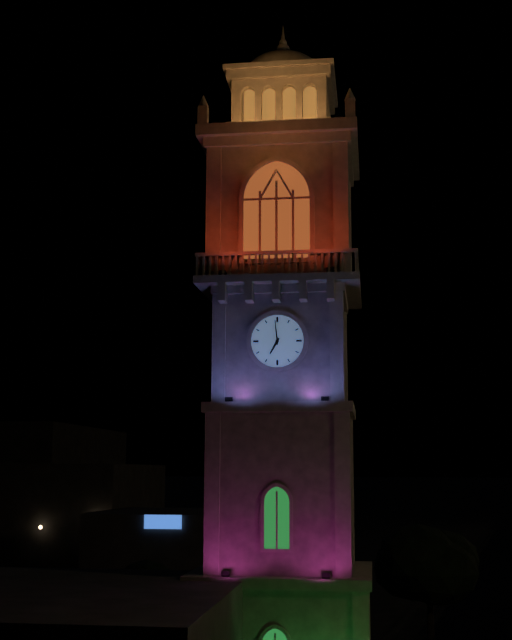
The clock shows 6h59
